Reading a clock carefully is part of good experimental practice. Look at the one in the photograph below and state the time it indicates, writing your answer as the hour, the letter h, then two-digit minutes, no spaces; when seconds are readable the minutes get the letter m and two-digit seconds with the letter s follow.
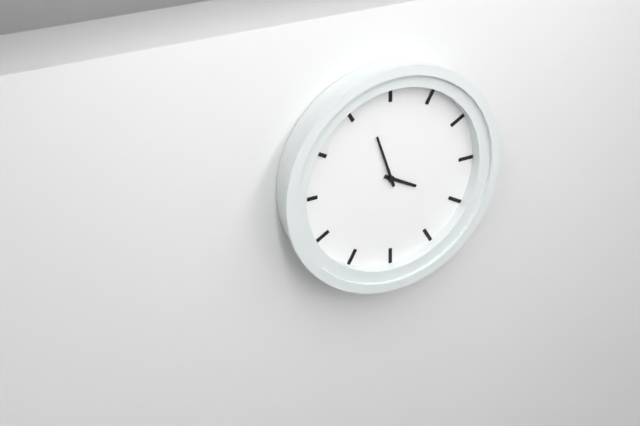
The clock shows 3h57
